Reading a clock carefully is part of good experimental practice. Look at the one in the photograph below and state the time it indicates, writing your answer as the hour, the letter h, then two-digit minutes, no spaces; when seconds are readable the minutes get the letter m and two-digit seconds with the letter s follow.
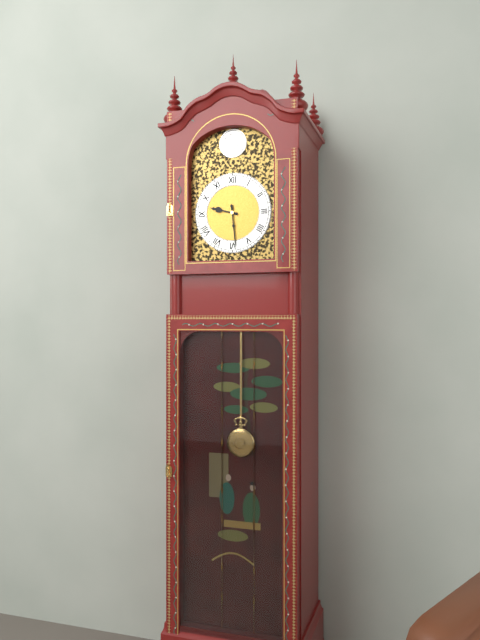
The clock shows 9h29
